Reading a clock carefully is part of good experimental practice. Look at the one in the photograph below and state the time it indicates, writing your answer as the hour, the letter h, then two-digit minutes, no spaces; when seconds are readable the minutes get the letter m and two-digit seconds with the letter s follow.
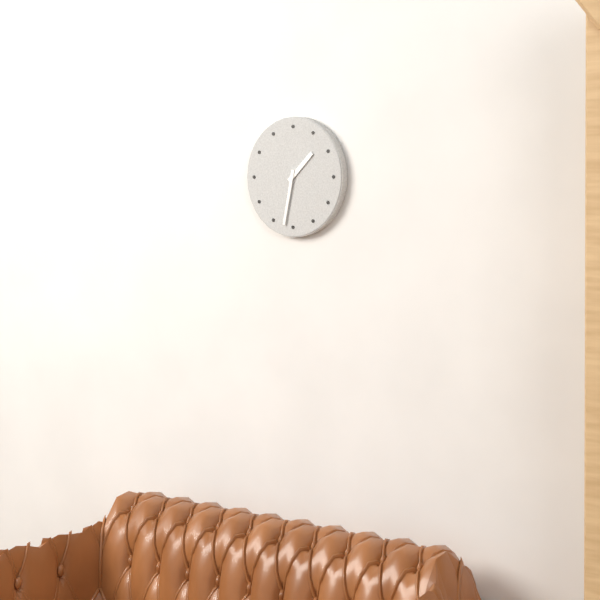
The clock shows 1h32
